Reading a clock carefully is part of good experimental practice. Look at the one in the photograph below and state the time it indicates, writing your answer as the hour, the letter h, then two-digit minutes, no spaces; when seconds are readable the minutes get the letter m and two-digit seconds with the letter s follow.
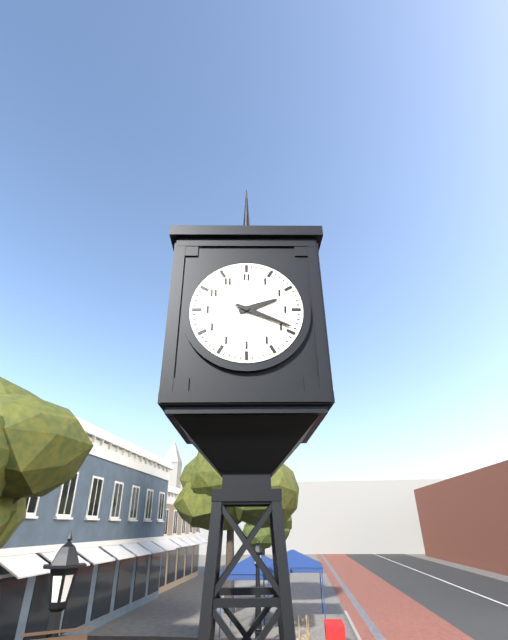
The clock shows 2h19
